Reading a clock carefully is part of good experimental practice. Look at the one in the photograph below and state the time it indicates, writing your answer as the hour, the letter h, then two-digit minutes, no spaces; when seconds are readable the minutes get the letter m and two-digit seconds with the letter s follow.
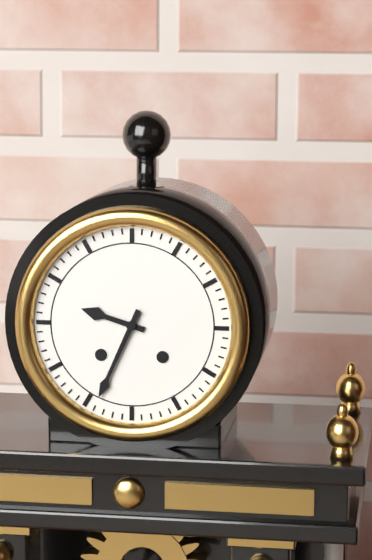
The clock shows 9h34
